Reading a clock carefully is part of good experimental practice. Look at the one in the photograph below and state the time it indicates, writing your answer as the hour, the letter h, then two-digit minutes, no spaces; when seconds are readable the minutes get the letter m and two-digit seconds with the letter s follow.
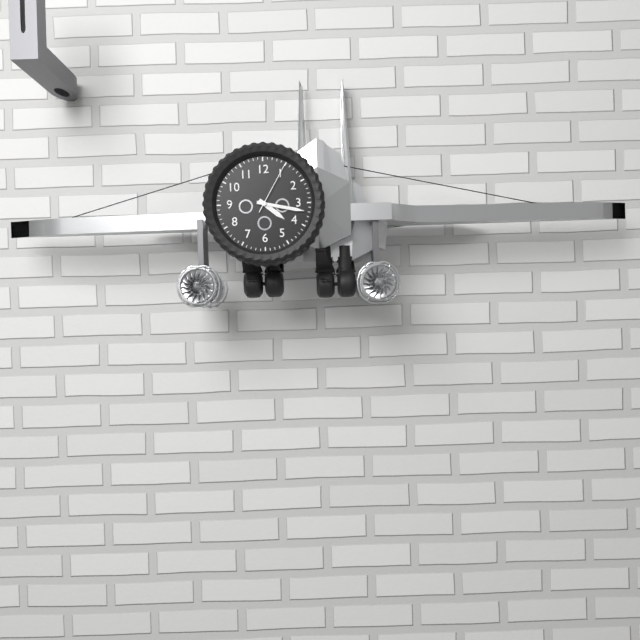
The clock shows 4h17m05s
